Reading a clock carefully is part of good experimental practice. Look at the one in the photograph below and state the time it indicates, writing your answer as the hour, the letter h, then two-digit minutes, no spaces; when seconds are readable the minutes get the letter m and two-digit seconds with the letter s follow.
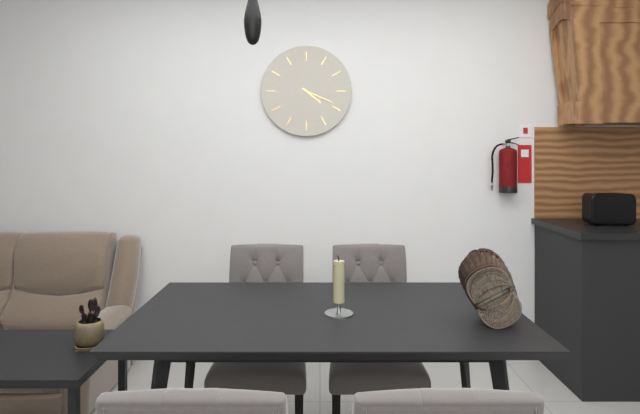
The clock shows 4h19
